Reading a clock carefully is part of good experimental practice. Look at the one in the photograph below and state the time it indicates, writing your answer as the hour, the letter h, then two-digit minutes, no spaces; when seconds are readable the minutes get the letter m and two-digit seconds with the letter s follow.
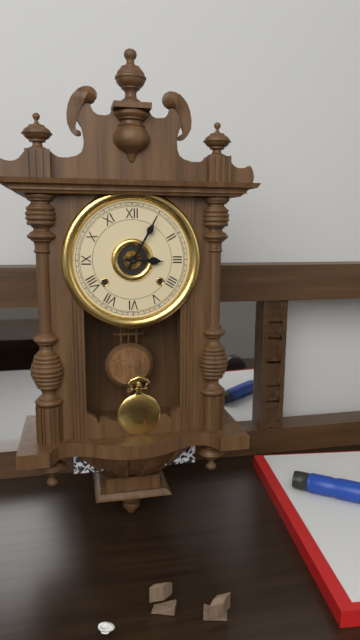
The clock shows 3h05
